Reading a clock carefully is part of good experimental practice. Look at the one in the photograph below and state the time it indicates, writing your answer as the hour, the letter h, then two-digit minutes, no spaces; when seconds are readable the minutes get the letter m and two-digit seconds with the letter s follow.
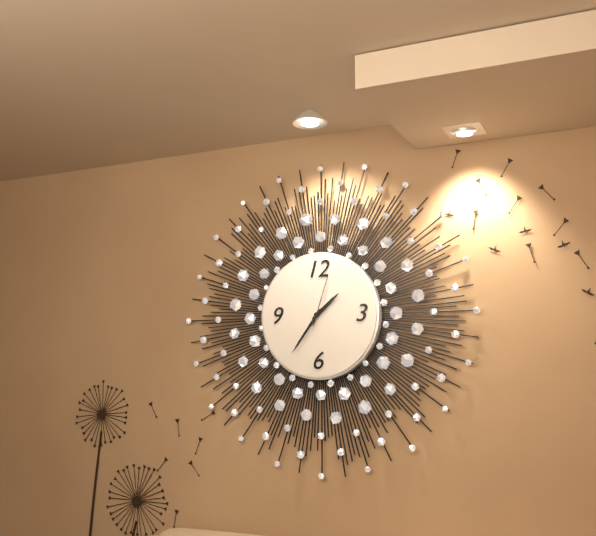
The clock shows 1h36m03s
